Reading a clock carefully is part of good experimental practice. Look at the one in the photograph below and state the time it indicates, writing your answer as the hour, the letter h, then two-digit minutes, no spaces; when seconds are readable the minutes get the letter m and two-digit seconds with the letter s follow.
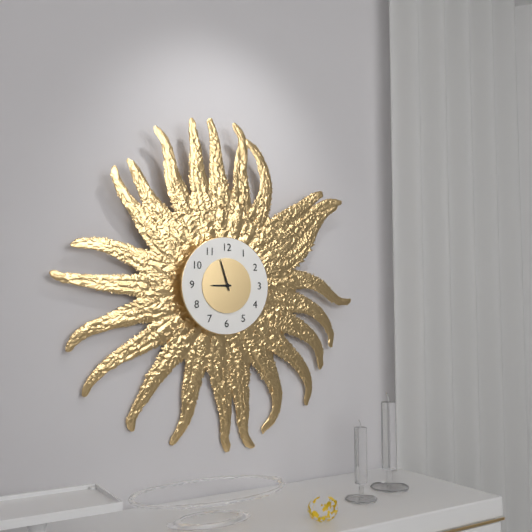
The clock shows 8h57
